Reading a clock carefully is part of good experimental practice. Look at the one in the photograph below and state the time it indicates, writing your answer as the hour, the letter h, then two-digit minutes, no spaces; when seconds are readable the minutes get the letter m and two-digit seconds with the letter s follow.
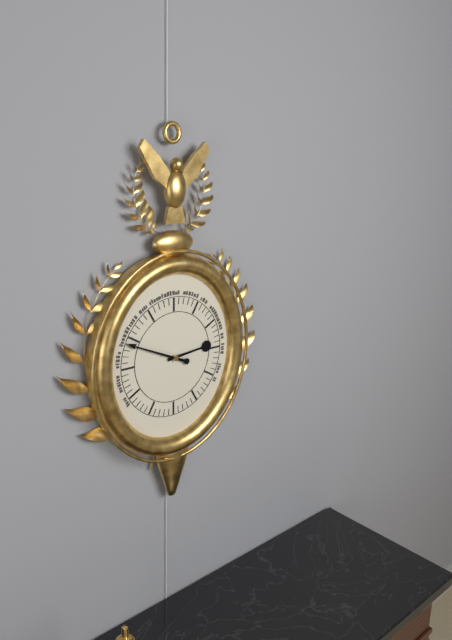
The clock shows 2h49
